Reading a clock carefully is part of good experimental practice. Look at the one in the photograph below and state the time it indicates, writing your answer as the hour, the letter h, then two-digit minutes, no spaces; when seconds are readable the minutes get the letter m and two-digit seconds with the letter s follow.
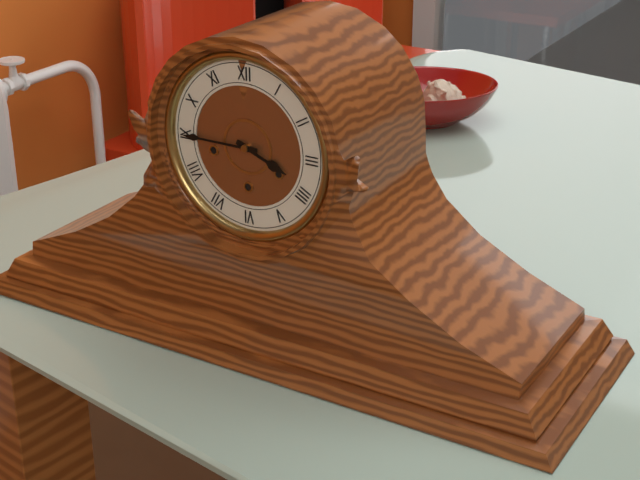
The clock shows 3h45
